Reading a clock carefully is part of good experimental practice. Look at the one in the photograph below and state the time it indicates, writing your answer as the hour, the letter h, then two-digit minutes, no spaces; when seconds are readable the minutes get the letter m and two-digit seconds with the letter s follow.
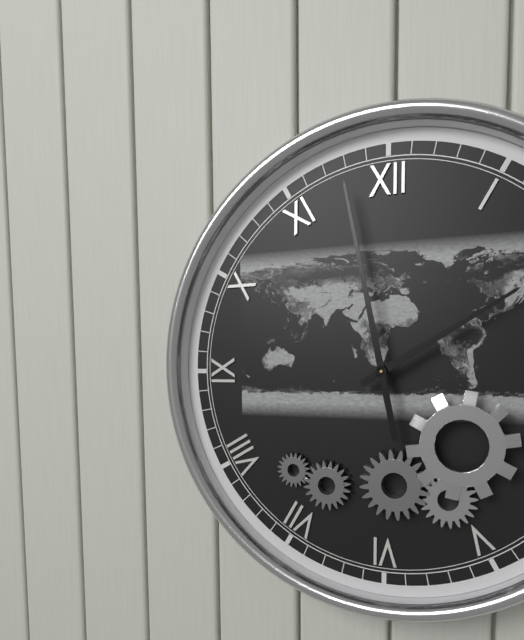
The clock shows 1h58
